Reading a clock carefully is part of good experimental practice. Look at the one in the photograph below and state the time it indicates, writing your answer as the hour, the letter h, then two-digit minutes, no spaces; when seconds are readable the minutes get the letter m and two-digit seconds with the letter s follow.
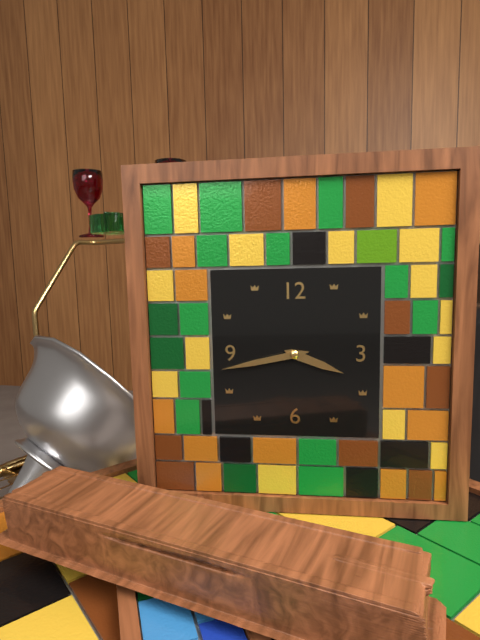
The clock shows 3h43
